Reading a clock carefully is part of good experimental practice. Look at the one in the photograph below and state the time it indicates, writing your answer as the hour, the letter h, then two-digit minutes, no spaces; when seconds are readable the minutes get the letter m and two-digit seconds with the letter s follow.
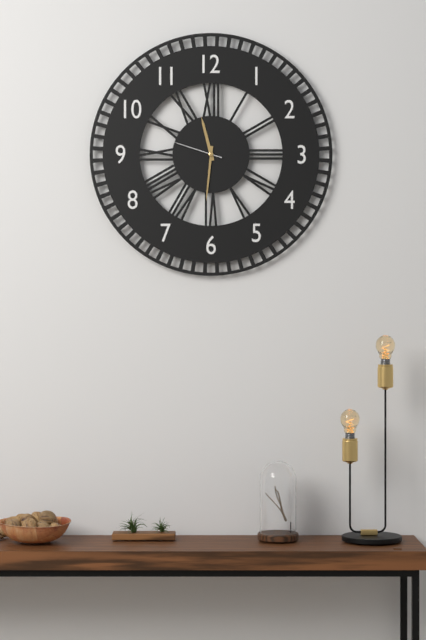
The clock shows 11h31m48s
